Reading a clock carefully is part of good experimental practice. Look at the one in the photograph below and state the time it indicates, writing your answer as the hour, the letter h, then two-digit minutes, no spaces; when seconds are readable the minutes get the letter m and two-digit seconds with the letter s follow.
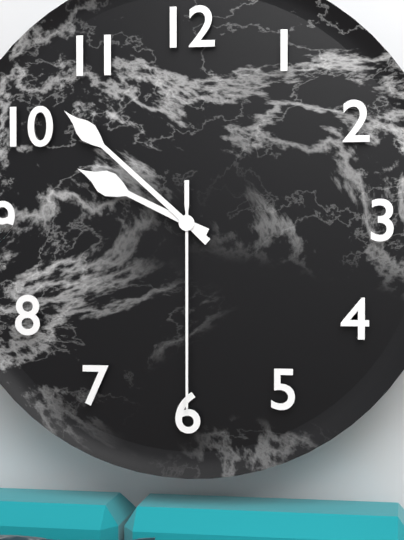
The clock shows 9h52m30s
